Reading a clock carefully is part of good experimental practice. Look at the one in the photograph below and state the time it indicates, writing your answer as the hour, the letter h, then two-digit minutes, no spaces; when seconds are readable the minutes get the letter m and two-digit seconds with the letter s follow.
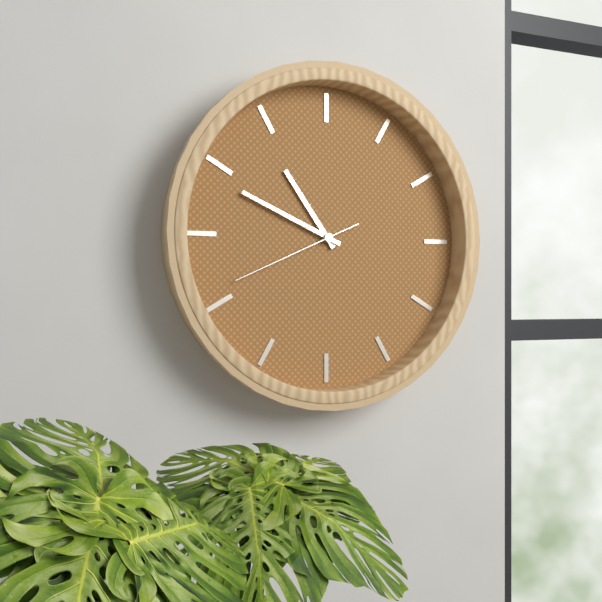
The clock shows 10h49m41s
